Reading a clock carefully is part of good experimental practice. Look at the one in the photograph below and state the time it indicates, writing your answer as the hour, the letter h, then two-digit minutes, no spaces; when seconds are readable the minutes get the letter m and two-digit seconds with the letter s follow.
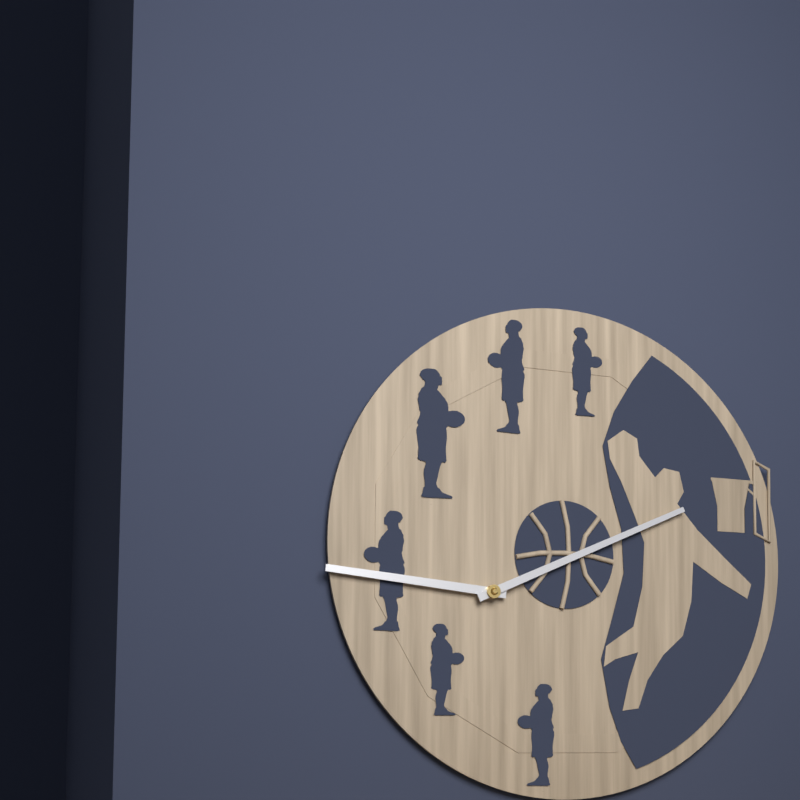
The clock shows 9h11
